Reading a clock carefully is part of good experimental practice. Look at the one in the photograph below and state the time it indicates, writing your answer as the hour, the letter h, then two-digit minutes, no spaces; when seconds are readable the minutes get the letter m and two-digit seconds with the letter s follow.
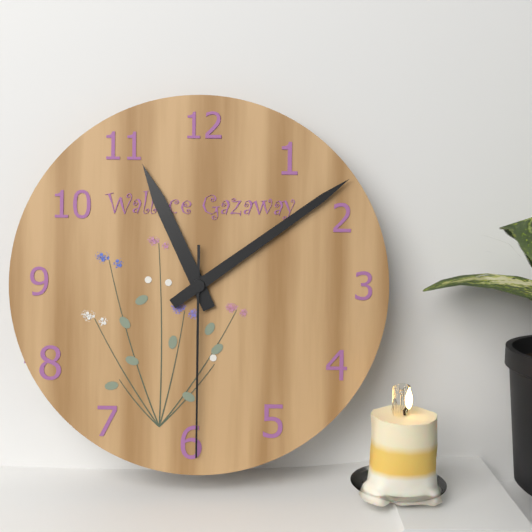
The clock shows 11h09m30s
